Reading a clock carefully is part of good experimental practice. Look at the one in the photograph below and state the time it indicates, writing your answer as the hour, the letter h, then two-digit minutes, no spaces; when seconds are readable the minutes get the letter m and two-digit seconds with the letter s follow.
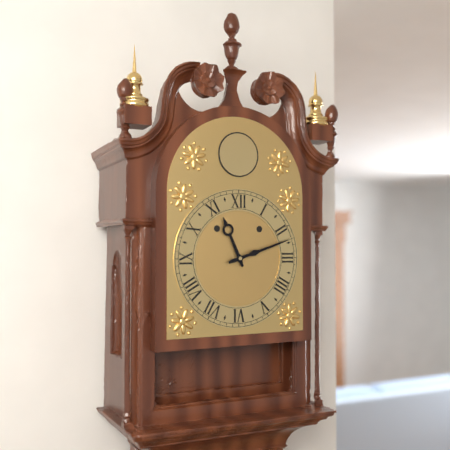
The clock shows 11h12
